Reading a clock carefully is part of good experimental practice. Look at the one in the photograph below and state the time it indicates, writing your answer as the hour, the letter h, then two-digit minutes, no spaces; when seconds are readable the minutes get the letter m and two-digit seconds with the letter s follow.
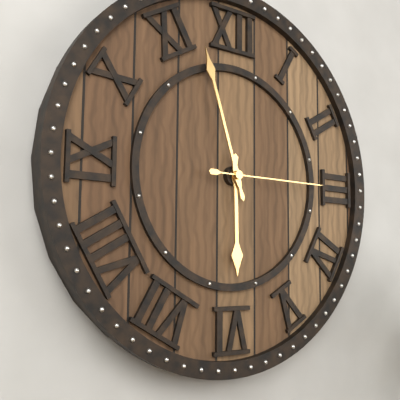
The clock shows 5h57m15s
